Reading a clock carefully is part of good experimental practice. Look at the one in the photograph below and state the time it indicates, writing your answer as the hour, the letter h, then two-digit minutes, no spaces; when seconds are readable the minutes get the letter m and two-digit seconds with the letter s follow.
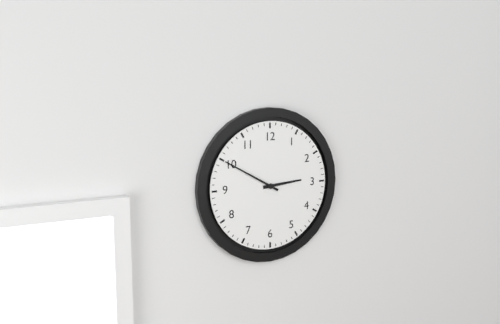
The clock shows 2h50
